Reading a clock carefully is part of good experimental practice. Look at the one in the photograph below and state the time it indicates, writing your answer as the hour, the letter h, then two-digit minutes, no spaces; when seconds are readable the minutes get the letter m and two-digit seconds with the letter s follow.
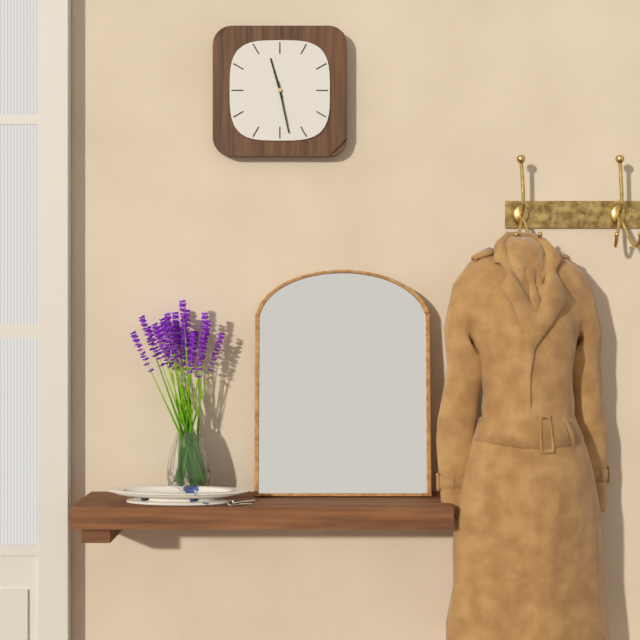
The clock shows 11h28
